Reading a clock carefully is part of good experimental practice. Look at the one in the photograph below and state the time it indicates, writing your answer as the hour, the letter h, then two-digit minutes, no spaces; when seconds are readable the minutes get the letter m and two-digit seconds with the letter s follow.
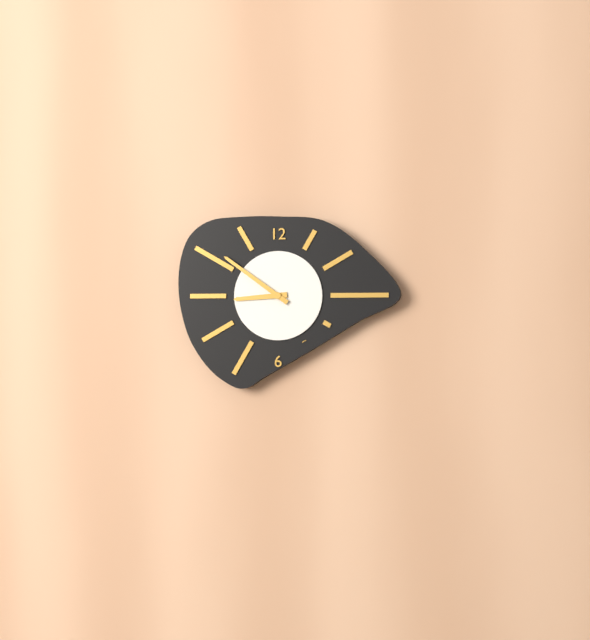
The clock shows 8h51
